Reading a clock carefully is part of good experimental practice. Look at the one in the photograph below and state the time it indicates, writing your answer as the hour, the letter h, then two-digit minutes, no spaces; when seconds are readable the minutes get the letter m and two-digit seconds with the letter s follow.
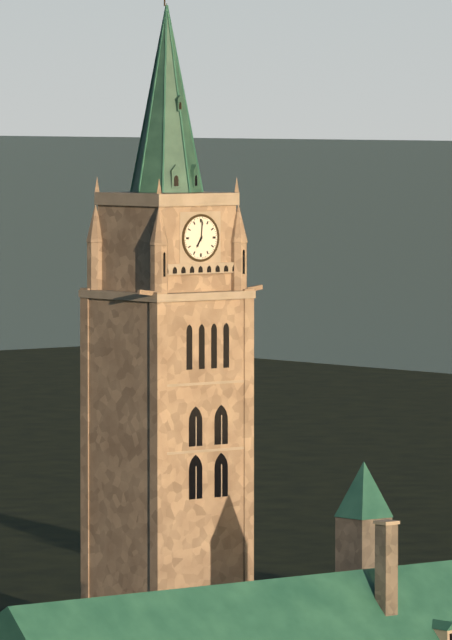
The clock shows 7h01
